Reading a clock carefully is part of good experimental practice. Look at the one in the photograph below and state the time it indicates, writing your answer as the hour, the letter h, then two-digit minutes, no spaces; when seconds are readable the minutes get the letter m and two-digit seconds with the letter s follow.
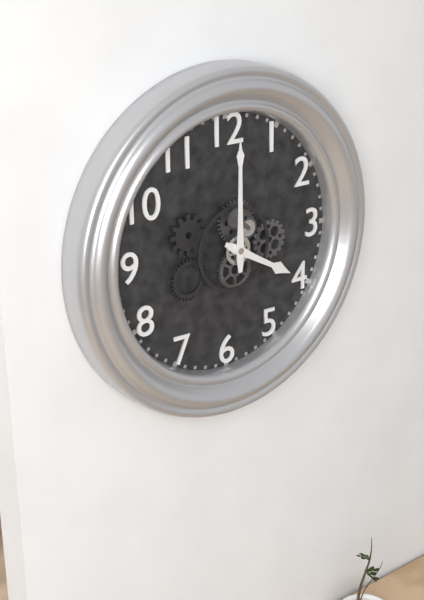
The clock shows 4h00
